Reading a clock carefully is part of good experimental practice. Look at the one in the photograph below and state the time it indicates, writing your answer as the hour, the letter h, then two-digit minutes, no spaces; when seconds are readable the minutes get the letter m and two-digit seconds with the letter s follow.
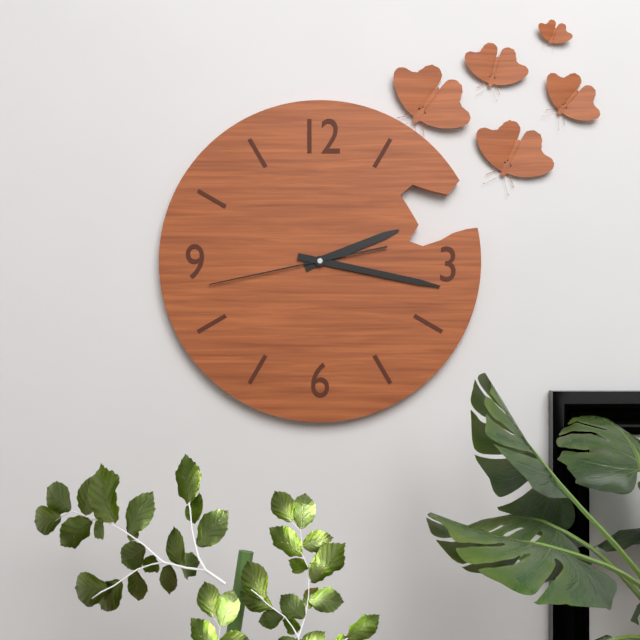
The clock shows 2h17m43s
